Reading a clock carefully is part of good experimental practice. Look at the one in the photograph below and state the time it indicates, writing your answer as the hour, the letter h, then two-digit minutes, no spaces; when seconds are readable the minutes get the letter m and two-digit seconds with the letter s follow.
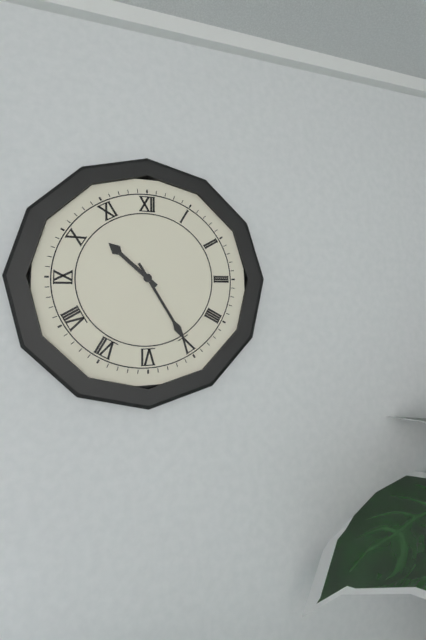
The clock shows 10h25
